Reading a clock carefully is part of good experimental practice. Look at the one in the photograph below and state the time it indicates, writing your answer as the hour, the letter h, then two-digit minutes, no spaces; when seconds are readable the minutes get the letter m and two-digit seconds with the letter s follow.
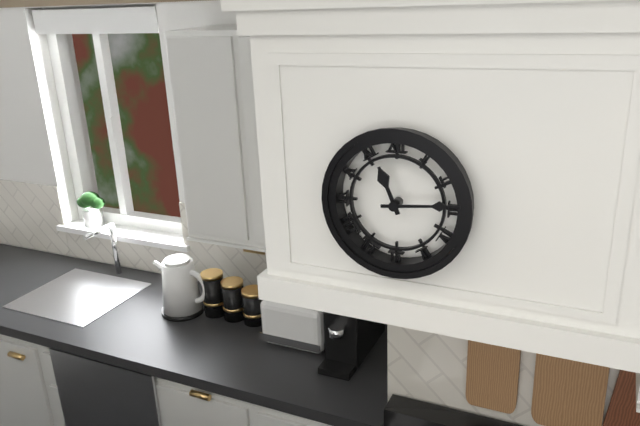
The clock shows 11h14
